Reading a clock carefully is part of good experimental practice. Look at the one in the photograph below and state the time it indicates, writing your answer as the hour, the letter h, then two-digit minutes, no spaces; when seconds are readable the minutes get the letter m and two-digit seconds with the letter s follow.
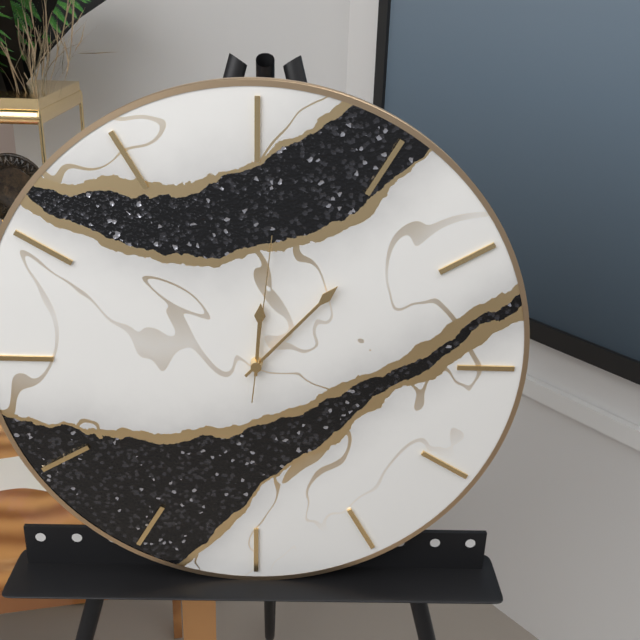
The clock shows 12h07m01s
